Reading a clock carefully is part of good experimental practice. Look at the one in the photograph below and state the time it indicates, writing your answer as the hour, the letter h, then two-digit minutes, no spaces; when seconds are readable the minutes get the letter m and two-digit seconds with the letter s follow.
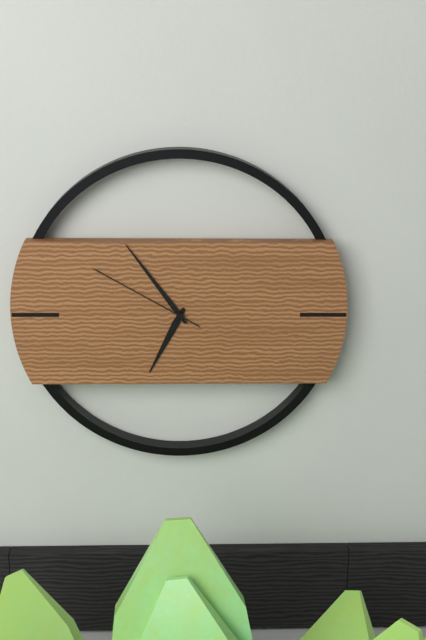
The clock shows 6h54m50s
